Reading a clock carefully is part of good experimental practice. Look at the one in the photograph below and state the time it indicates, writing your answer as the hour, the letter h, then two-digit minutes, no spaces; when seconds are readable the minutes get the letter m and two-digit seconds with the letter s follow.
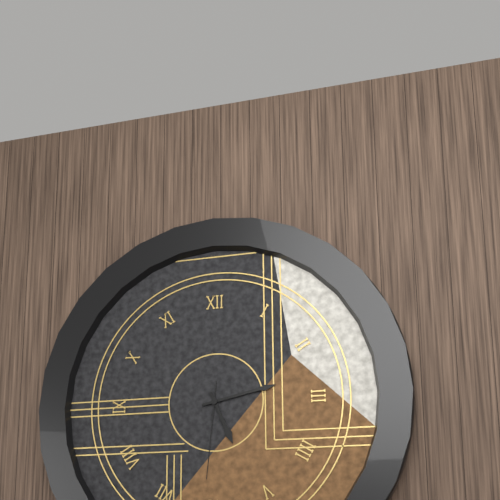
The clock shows 5h13m31s
